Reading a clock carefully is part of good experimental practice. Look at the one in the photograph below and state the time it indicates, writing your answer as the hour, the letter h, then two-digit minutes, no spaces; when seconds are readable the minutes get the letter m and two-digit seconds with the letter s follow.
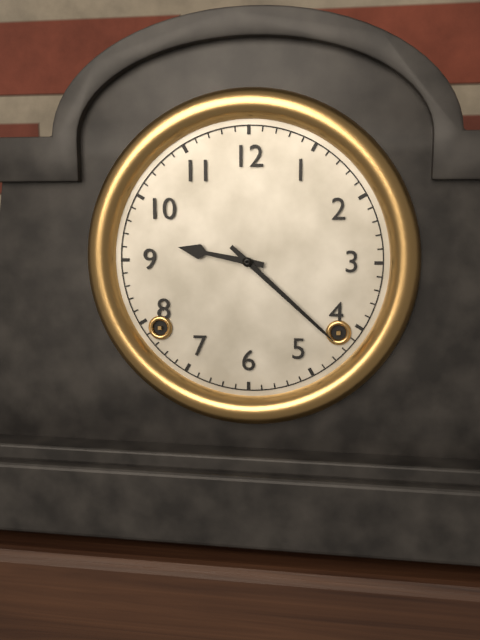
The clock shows 9h22
